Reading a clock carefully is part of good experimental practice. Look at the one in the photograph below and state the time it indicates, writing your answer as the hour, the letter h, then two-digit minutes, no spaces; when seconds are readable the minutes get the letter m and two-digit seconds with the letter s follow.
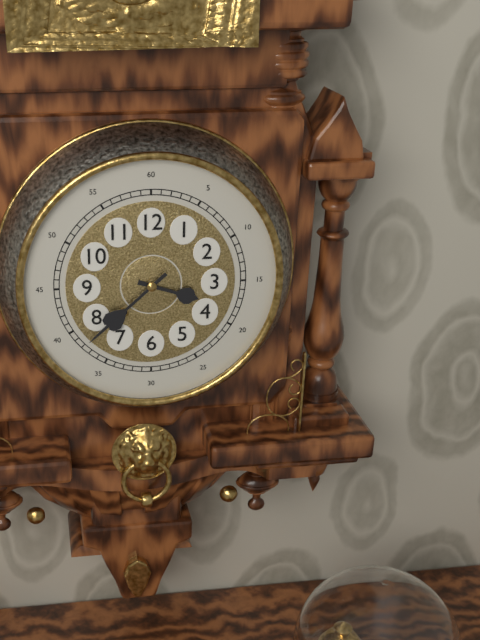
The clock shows 3h38
